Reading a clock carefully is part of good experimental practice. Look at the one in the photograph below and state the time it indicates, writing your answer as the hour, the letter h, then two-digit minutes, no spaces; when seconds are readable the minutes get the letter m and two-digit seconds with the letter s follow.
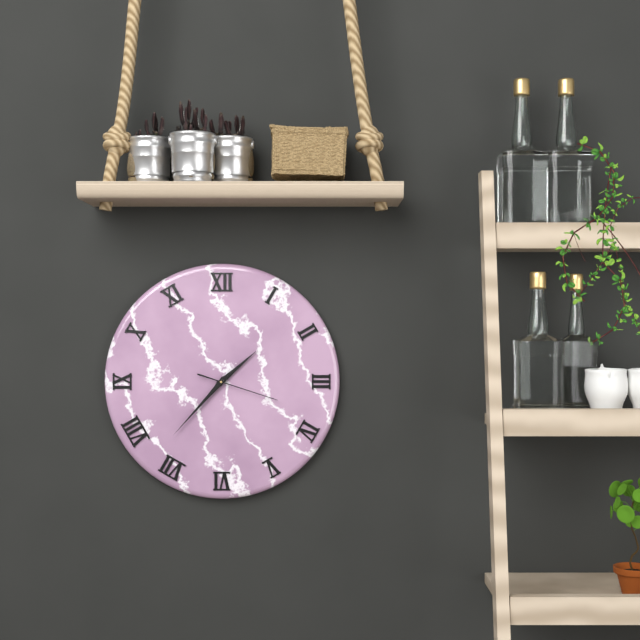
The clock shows 1h37m18s
